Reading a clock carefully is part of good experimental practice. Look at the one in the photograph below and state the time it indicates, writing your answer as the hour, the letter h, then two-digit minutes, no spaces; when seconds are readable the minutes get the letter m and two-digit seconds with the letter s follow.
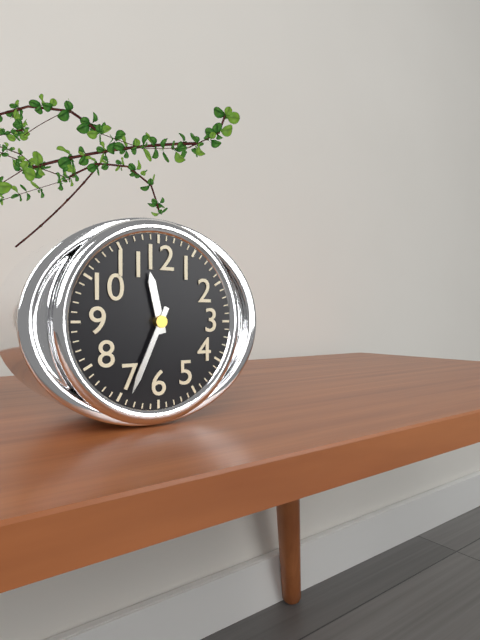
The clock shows 11h34
